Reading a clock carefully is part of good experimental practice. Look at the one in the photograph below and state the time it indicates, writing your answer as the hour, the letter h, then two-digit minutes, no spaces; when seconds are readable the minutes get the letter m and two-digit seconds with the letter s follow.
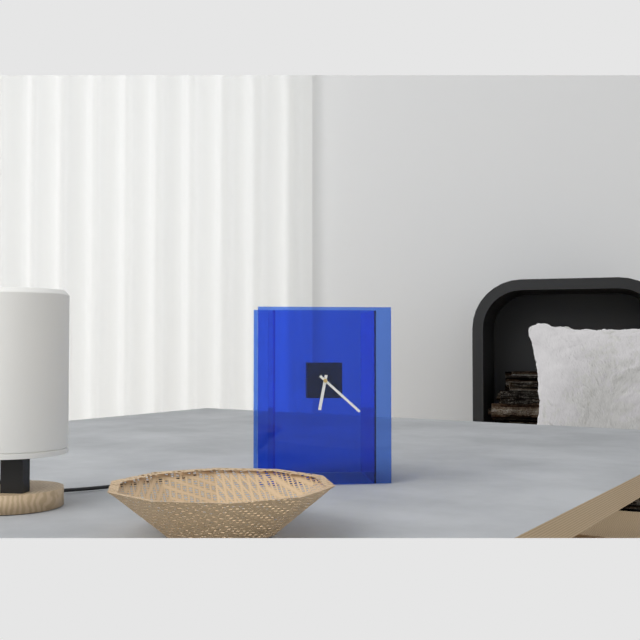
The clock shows 6h22
